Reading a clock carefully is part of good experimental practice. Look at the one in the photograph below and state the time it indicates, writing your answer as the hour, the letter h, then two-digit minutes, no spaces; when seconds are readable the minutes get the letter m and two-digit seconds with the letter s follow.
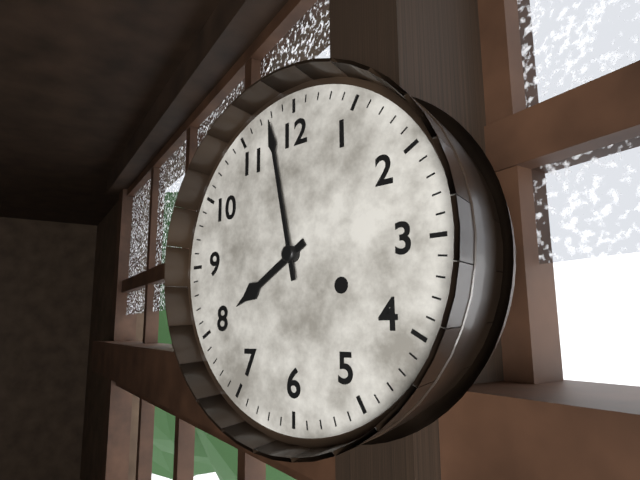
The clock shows 7h58
